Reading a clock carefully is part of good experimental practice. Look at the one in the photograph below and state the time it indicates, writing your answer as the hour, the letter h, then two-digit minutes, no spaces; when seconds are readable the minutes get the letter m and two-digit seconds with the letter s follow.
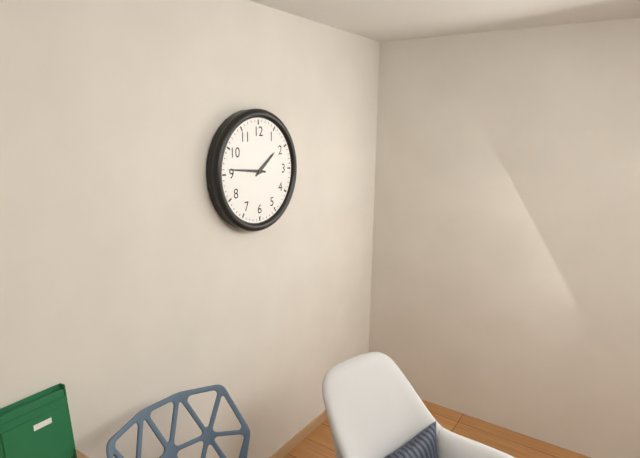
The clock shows 1h46
